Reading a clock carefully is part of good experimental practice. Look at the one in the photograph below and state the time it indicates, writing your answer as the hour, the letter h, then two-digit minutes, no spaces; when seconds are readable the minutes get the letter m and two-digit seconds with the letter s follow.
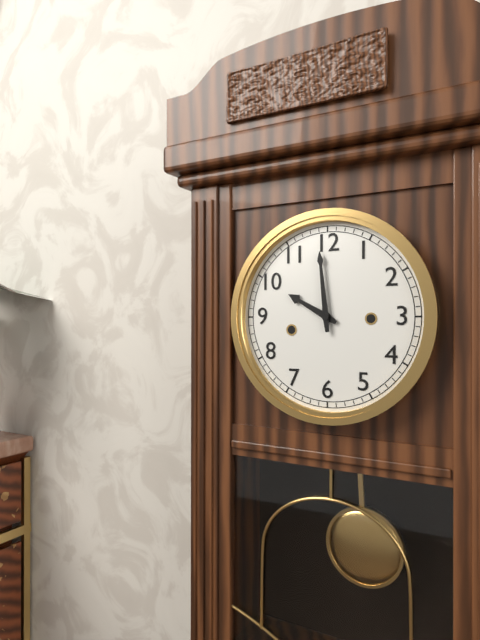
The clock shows 9h59
